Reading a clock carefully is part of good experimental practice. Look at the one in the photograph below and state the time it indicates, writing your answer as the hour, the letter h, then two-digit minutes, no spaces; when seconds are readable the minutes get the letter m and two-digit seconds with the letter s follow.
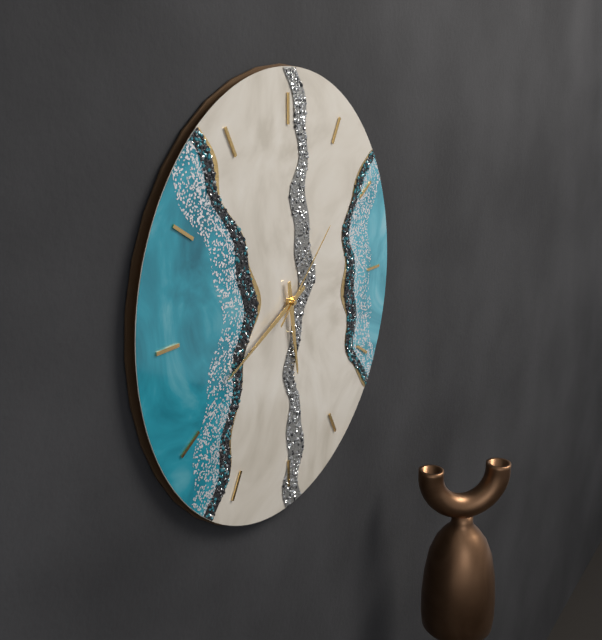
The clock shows 5h41m08s
